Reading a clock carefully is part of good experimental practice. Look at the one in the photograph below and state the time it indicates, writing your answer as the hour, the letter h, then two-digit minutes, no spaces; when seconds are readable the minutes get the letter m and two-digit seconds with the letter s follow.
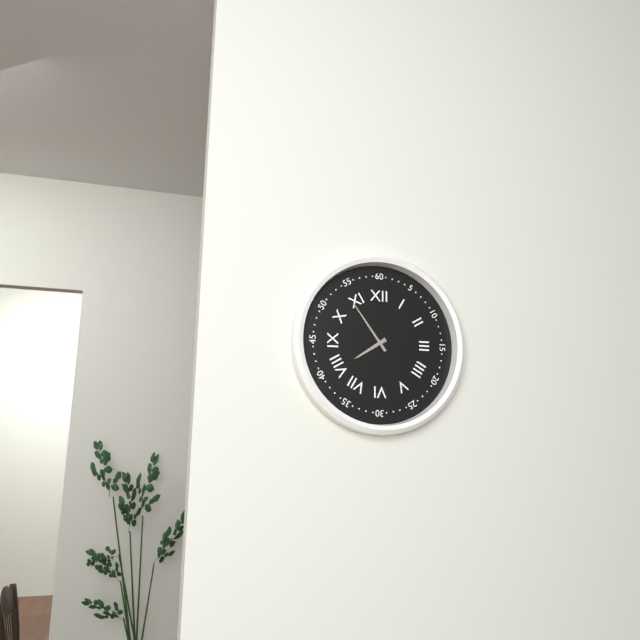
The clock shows 7h54
